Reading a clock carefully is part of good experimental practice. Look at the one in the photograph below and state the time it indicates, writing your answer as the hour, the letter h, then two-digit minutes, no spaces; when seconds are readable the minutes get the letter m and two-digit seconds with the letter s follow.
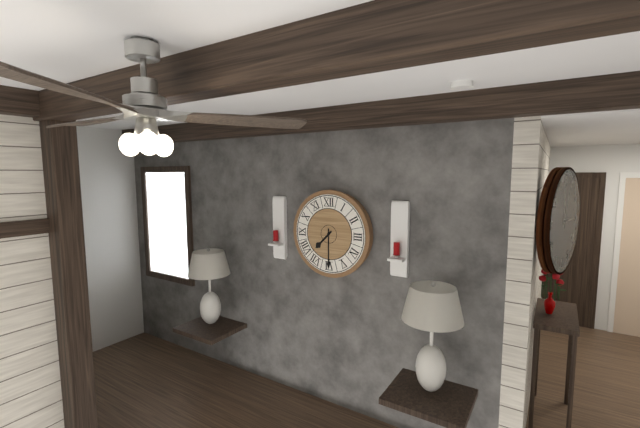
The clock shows 7h30
